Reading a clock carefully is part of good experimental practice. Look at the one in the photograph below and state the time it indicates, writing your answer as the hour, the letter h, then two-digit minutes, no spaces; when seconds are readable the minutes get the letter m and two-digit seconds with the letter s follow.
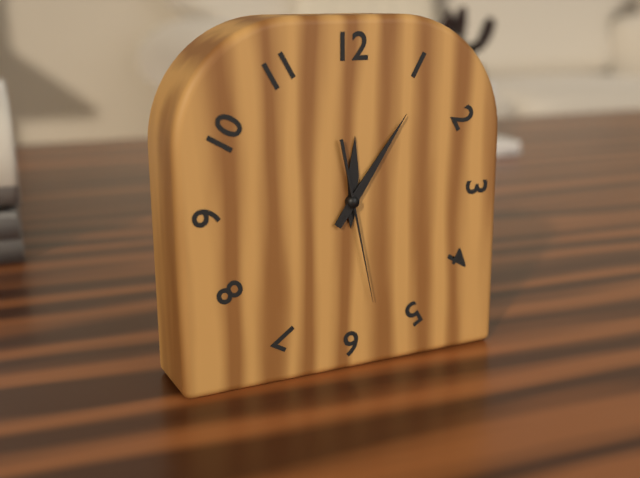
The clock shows 12h06m28s
